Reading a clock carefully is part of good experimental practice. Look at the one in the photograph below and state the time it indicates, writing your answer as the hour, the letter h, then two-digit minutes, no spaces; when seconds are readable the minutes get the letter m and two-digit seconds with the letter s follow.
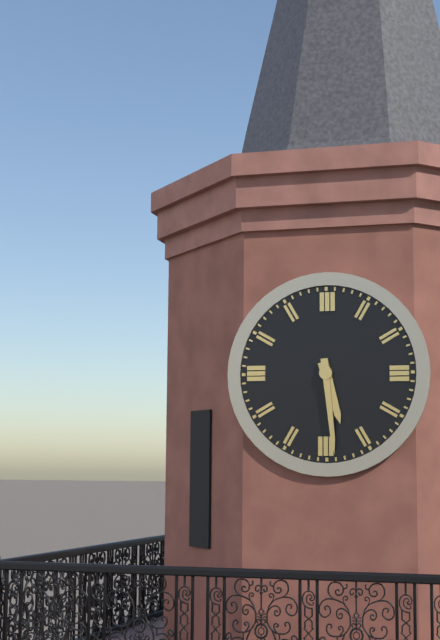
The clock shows 5h29
